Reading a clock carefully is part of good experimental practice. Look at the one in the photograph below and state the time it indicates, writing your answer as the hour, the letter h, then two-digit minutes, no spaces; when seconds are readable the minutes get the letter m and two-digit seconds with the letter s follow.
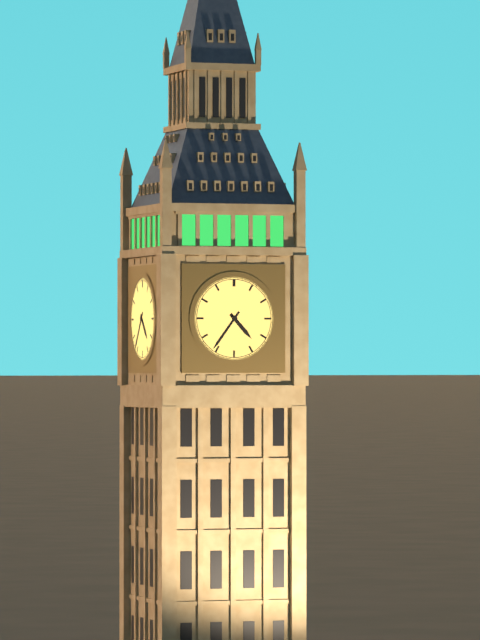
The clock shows 4h36
